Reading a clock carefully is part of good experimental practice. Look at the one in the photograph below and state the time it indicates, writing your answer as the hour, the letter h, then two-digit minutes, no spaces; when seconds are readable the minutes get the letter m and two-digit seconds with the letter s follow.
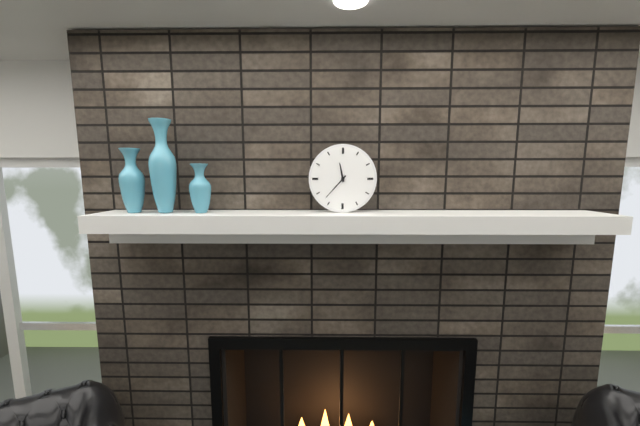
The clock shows 11h37
